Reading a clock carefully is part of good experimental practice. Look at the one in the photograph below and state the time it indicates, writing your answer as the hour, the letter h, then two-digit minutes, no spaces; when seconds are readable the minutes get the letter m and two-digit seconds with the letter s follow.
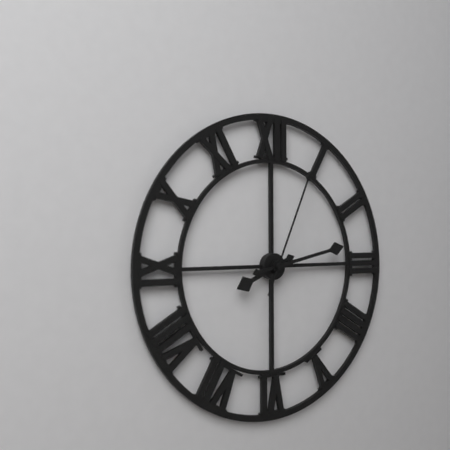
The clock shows 8h13m04s
